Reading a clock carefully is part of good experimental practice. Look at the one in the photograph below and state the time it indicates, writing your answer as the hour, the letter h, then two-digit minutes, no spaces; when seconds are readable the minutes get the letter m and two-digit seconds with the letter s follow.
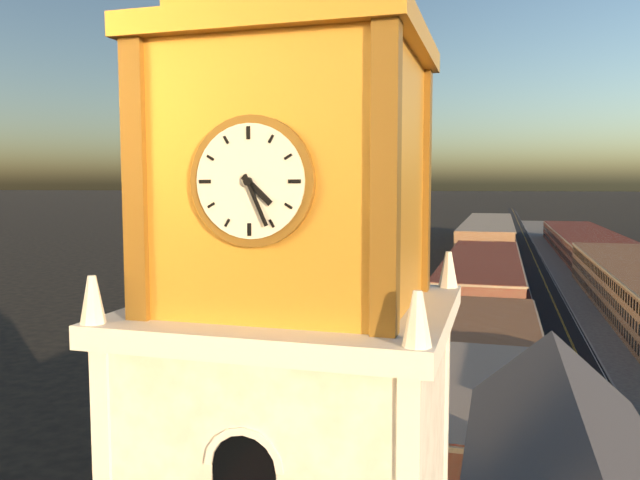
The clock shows 4h26
